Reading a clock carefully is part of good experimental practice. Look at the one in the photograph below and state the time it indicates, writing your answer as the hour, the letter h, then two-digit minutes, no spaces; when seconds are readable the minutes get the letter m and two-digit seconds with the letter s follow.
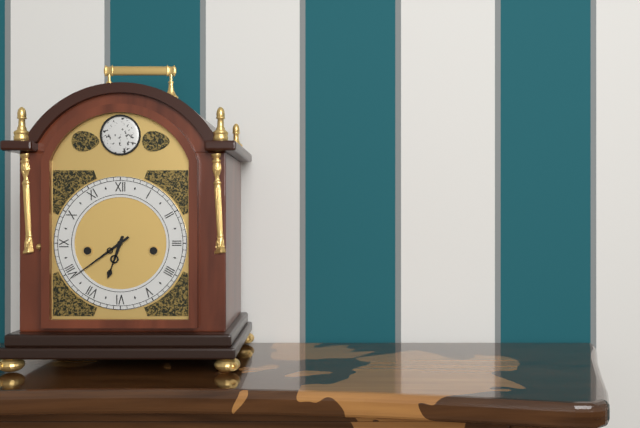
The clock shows 6h39
